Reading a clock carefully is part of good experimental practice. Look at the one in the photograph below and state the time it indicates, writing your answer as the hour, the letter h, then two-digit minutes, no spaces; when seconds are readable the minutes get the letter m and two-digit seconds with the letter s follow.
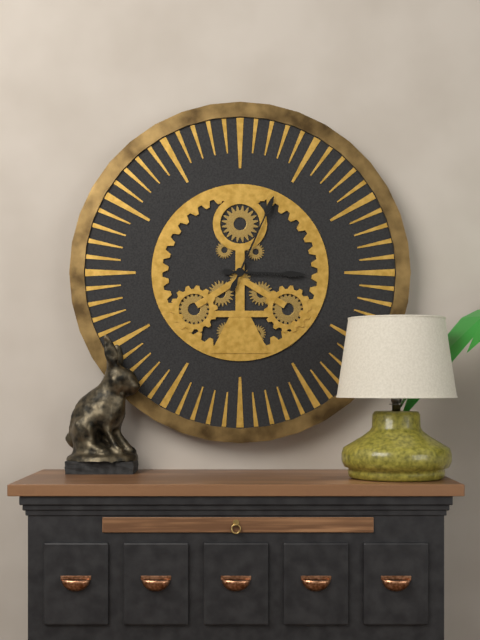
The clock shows 3h04
